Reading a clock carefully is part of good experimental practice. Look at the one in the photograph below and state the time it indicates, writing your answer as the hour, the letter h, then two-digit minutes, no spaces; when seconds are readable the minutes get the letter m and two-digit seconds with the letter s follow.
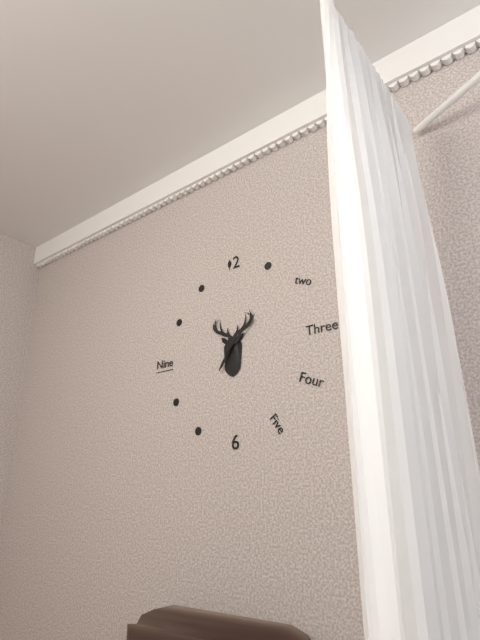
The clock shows 7h08
